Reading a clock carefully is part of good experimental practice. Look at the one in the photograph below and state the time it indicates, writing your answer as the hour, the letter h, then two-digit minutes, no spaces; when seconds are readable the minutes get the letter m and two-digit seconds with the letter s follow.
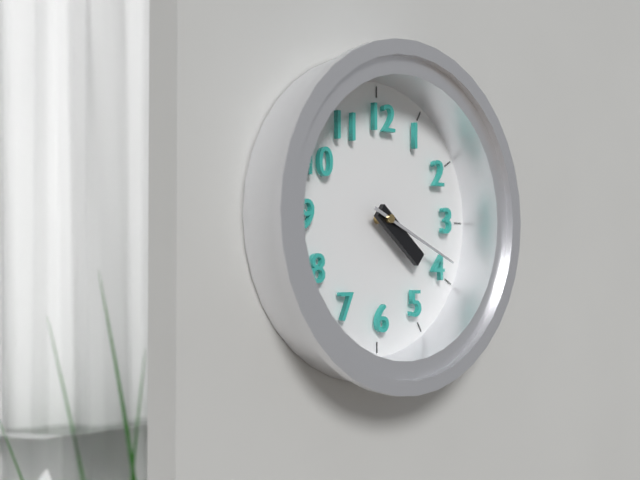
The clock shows 4h19
